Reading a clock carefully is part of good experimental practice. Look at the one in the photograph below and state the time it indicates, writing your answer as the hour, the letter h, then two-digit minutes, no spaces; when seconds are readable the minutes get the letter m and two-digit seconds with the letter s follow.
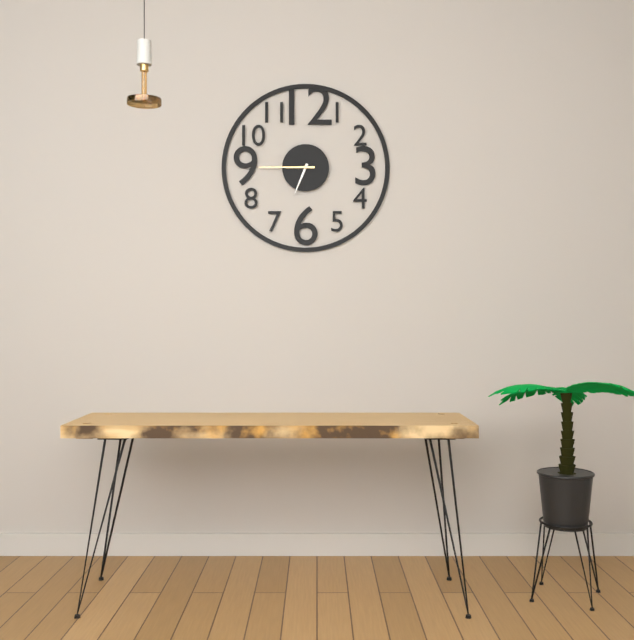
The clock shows 6h45
